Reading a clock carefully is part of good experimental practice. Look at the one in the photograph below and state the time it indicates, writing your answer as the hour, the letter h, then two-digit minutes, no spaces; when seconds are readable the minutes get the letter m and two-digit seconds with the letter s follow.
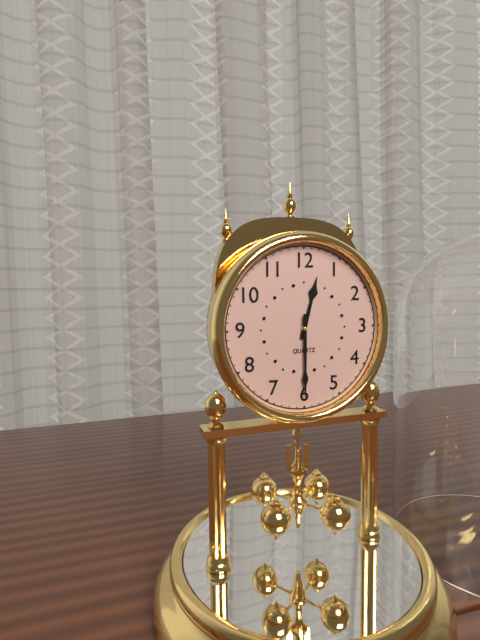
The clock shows 12h30
